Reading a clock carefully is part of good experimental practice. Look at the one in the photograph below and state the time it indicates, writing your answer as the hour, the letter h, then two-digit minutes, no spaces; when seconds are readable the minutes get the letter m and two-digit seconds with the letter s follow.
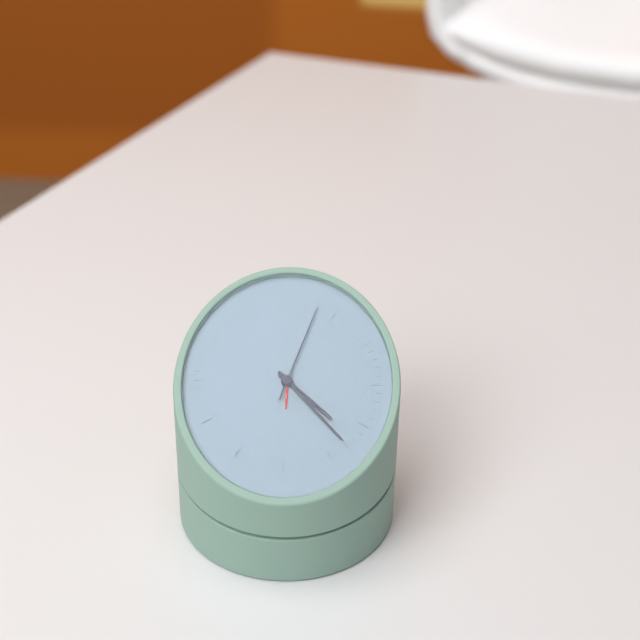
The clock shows 4h23m03s
